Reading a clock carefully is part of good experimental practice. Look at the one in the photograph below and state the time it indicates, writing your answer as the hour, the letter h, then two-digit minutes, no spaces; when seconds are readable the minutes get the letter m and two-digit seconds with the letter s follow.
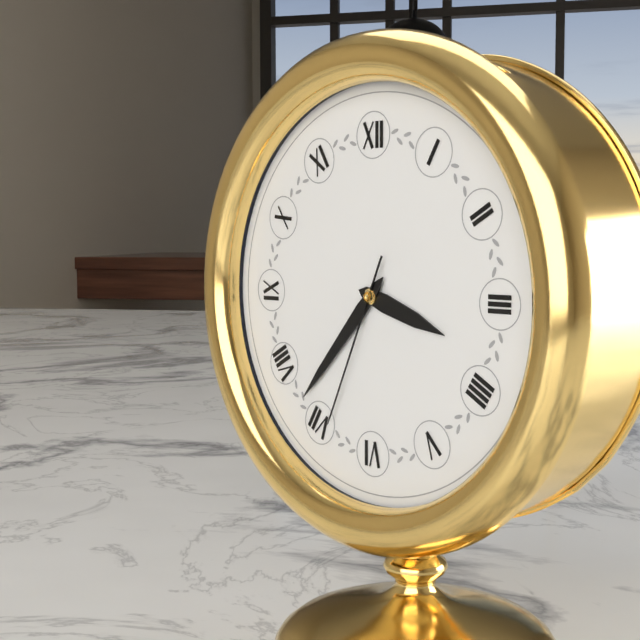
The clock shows 3h37m34s
